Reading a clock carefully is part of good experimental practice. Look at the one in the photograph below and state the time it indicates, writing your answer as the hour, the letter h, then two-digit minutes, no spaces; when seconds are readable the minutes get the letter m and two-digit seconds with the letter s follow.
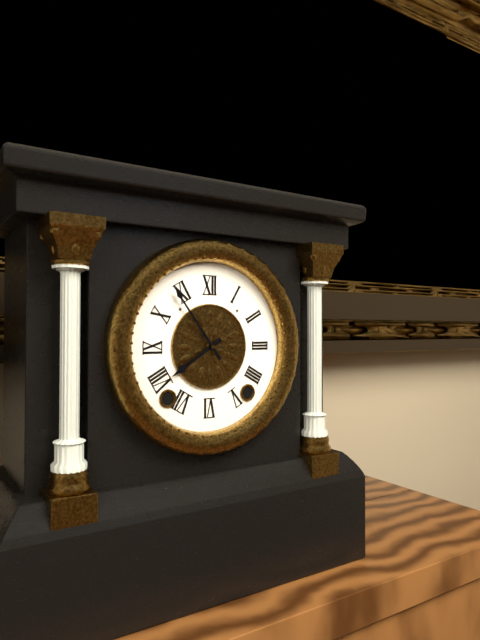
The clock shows 7h54
